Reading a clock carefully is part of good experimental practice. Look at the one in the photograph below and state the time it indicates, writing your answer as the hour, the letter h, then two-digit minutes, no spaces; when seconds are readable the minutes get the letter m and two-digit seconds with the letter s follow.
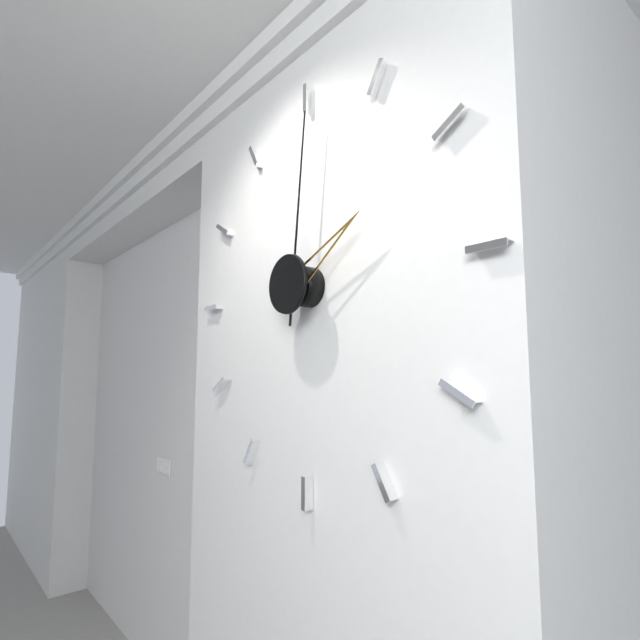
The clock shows 2h01
